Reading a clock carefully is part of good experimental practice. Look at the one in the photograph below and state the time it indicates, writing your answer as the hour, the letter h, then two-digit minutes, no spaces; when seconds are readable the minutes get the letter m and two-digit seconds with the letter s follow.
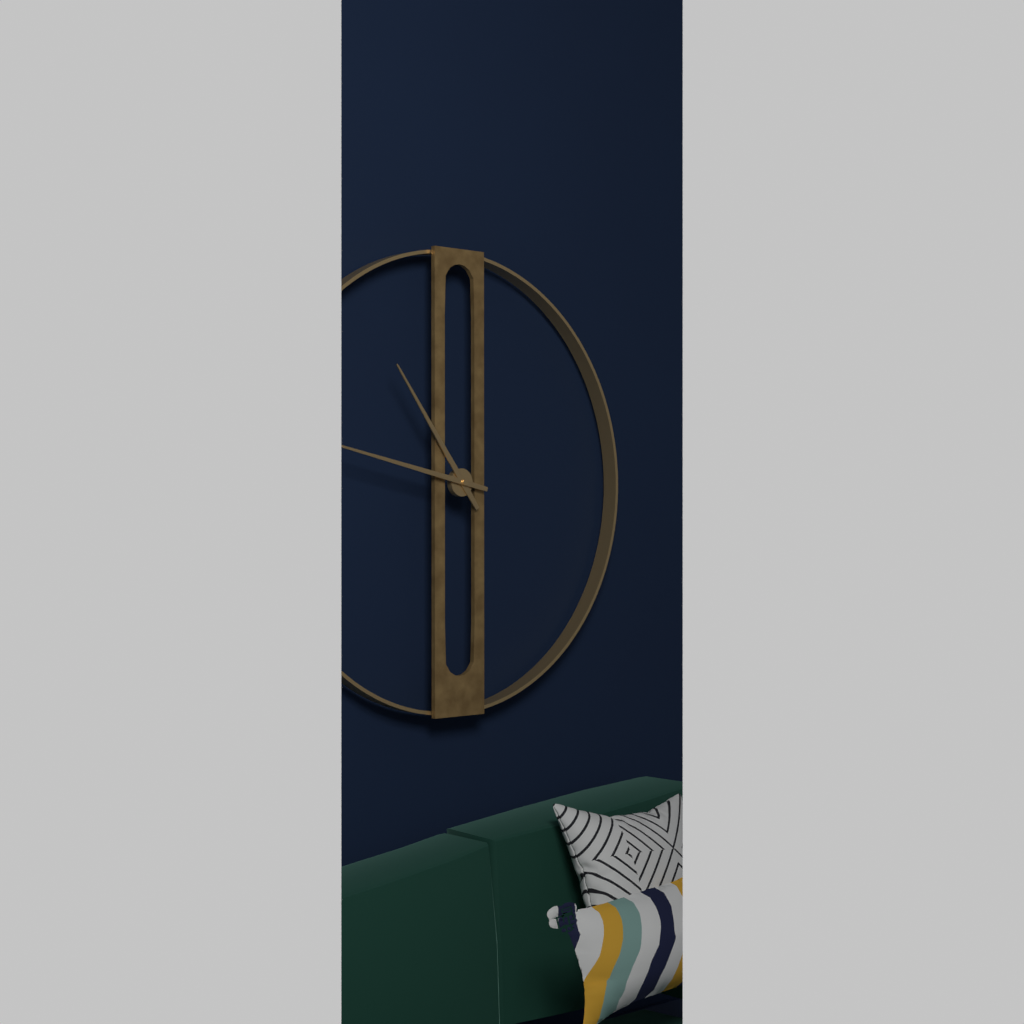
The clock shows 10h47
